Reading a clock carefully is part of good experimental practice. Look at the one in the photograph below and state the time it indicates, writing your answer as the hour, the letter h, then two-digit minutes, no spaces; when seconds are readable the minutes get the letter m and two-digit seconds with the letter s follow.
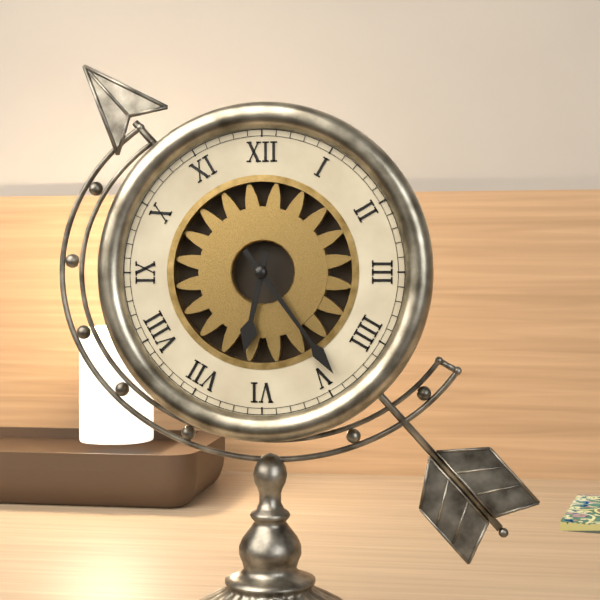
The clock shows 6h24
